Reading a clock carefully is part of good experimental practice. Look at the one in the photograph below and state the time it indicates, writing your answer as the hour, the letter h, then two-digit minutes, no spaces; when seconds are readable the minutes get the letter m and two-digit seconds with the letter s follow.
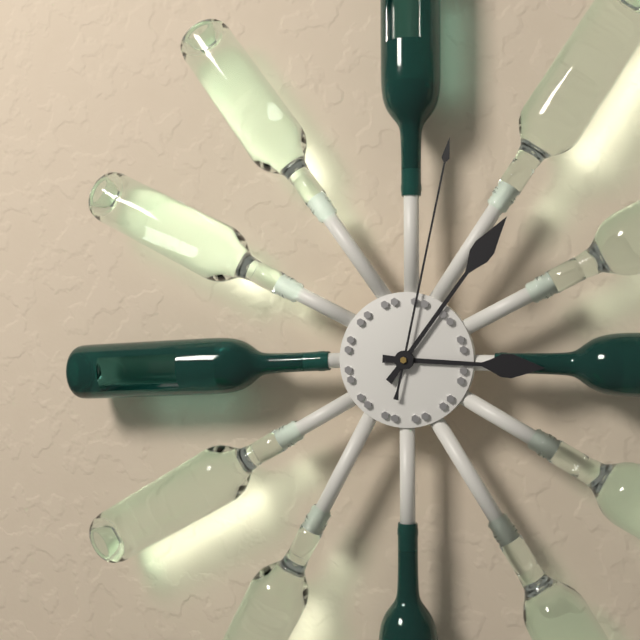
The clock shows 3h06m02s
